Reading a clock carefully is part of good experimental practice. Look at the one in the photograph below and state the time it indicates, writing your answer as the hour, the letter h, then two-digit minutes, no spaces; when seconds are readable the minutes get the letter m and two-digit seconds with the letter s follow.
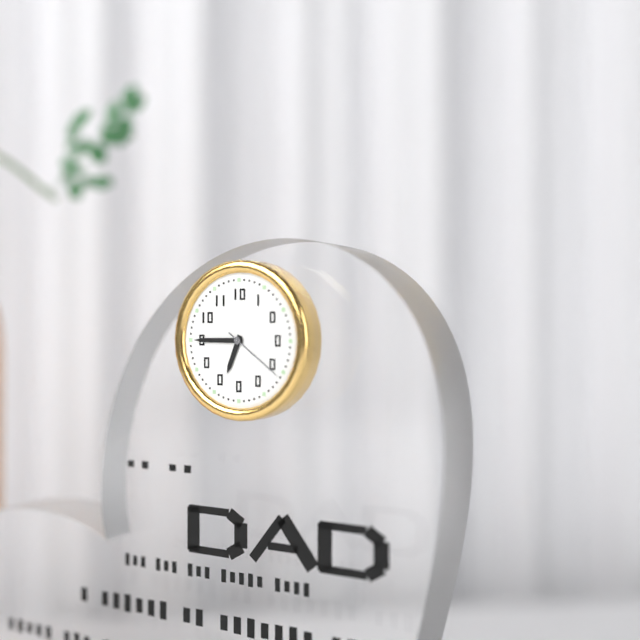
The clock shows 6h45m21s
